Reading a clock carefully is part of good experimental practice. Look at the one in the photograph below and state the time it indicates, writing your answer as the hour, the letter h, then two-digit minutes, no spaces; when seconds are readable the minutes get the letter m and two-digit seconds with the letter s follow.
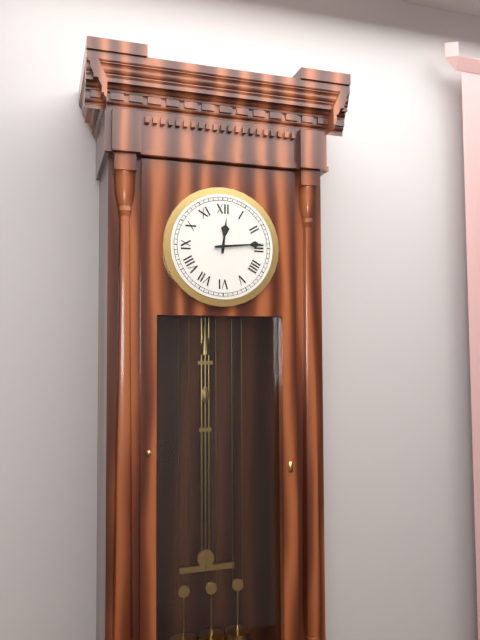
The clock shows 12h14
